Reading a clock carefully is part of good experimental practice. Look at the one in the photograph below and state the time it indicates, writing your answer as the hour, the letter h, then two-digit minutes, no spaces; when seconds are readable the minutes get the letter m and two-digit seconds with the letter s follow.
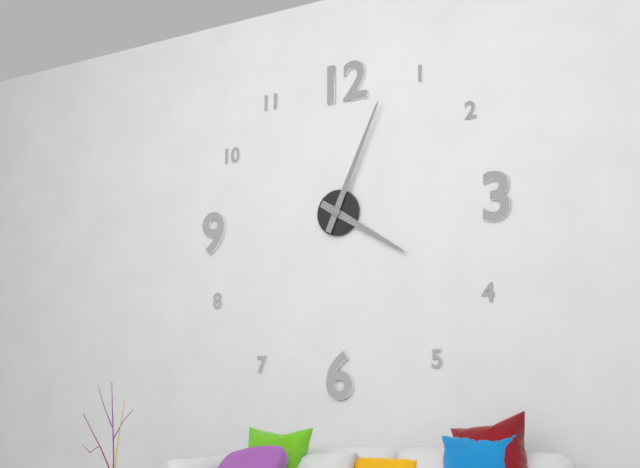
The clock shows 4h04
